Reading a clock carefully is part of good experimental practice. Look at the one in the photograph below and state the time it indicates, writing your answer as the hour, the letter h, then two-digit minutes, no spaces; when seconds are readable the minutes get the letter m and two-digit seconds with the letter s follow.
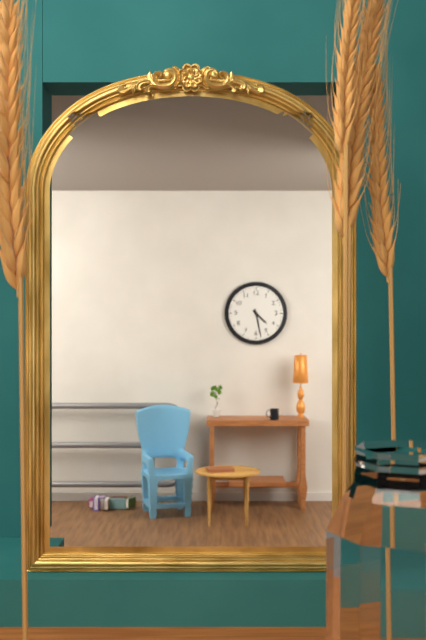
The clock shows 4h28
